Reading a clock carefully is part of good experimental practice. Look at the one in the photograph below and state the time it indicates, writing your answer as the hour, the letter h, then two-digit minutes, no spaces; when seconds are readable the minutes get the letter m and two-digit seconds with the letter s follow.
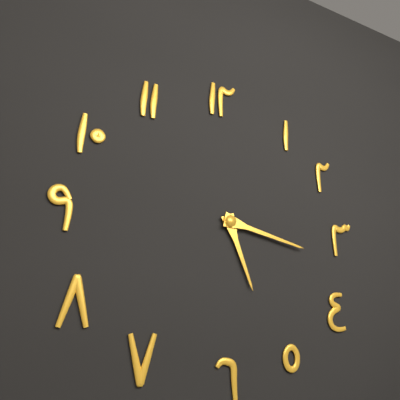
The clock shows 5h17
